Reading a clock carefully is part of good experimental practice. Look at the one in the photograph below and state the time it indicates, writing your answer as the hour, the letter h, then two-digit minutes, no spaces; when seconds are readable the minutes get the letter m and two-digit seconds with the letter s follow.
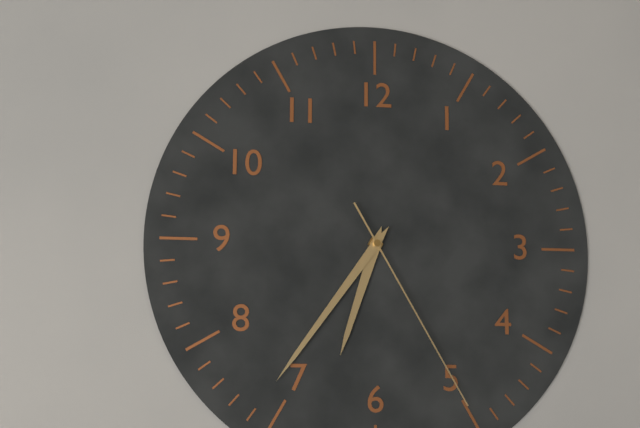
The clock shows 6h36m25s
